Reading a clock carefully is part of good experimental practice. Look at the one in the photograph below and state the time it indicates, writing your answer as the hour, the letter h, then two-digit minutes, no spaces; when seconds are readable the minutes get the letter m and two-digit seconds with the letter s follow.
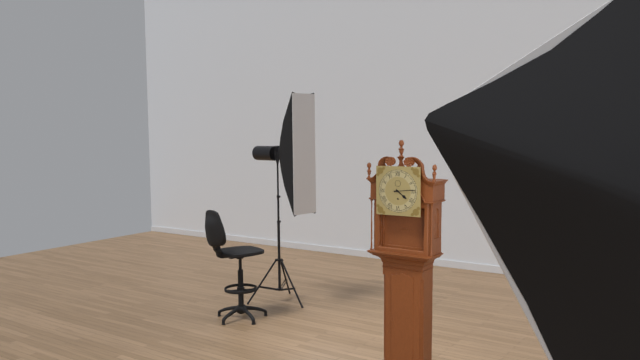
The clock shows 4h14
